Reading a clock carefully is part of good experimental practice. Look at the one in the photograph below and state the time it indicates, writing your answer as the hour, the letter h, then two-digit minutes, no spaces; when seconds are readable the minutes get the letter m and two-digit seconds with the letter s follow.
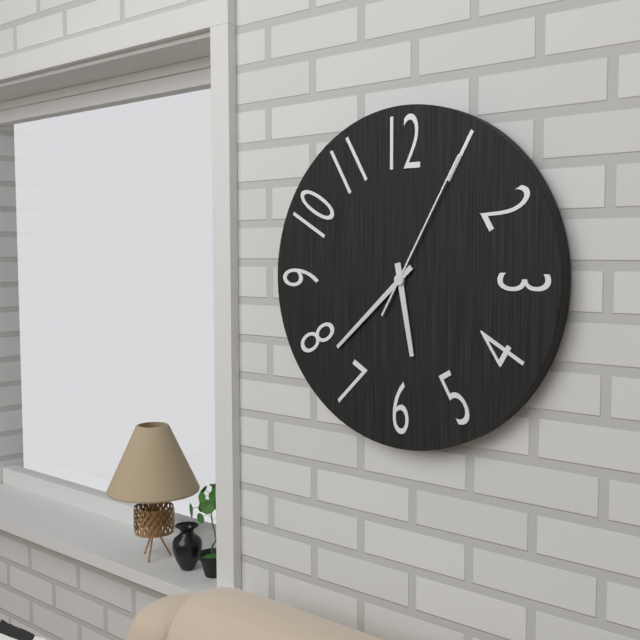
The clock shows 5h38m05s
